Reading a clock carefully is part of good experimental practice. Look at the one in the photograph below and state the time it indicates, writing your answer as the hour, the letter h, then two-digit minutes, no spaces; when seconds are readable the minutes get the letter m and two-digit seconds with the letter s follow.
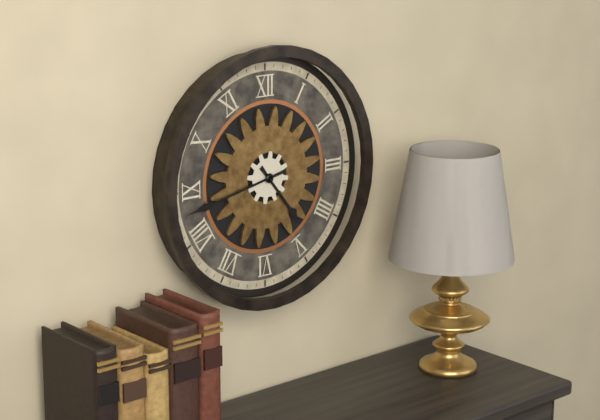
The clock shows 4h43
